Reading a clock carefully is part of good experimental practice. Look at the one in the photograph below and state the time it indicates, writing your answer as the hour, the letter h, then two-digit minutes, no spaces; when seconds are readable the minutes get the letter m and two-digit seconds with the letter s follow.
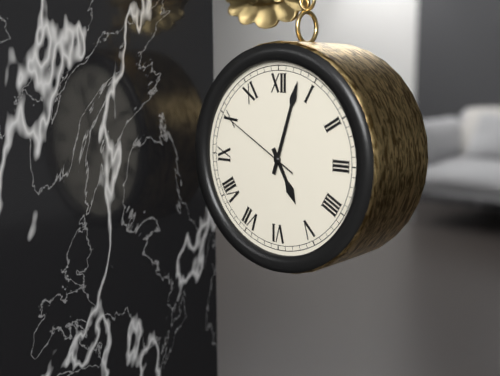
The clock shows 5h03m50s
